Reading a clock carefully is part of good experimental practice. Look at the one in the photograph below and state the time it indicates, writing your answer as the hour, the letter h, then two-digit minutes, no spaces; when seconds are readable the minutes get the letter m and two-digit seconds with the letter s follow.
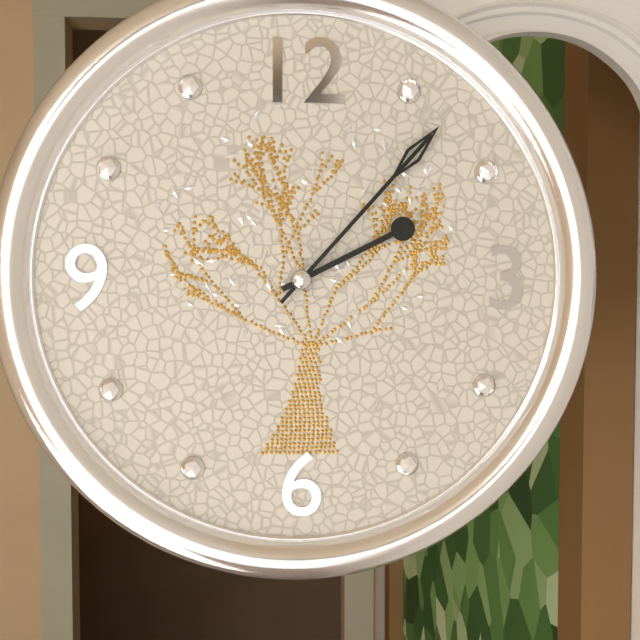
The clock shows 2h07
